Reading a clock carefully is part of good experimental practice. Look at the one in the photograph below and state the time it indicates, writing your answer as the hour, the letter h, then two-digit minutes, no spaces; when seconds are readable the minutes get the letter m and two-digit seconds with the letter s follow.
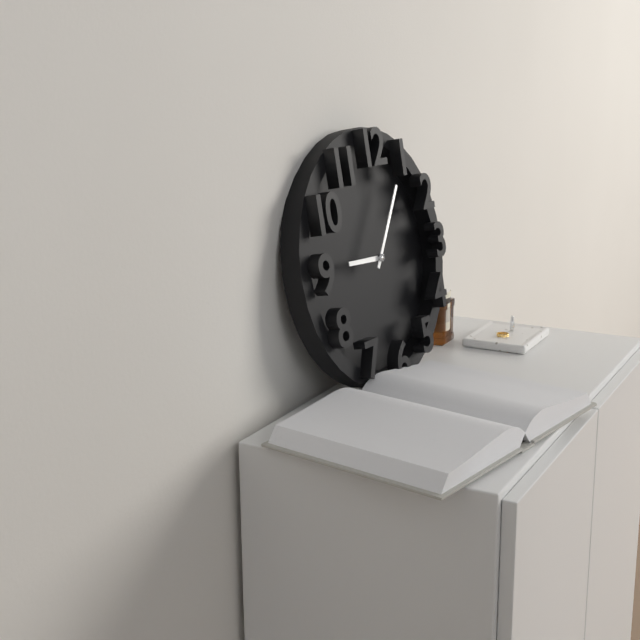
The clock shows 9h06
